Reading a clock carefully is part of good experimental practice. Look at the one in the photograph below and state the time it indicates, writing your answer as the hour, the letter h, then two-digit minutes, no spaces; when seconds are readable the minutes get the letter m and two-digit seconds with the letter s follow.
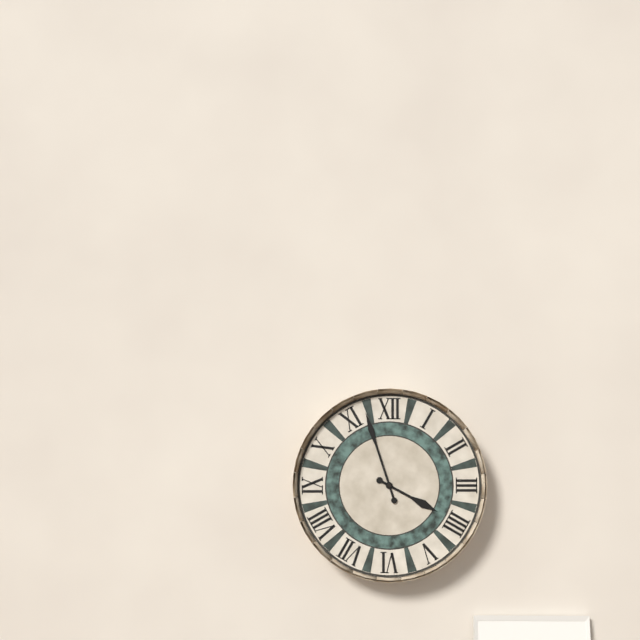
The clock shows 3h57
